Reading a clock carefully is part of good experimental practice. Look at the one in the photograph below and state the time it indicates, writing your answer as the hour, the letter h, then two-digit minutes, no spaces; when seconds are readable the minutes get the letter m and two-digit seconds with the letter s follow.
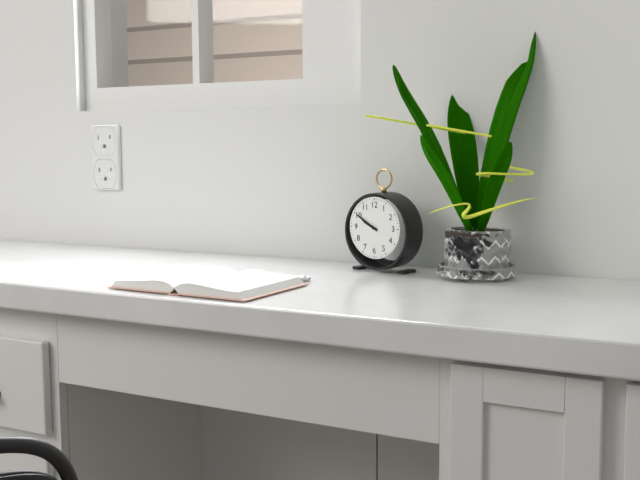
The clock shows 9h50
